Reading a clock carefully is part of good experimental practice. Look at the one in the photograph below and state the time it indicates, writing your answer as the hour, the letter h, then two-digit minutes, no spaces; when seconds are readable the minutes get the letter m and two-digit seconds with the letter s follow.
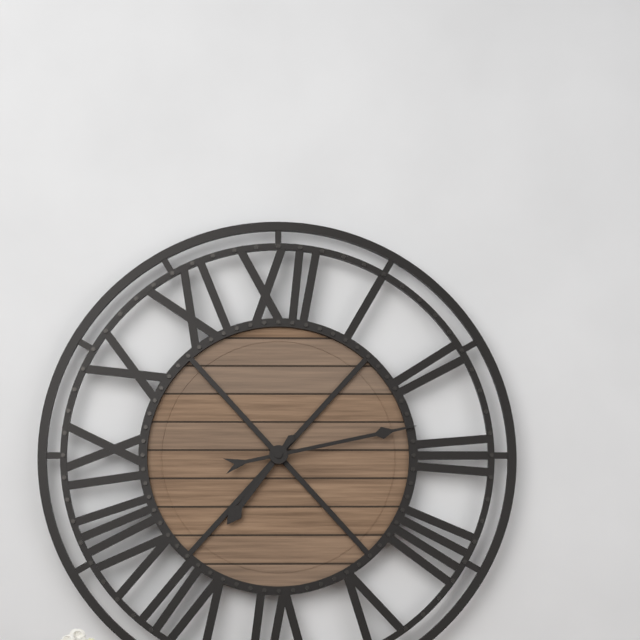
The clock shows 7h13
